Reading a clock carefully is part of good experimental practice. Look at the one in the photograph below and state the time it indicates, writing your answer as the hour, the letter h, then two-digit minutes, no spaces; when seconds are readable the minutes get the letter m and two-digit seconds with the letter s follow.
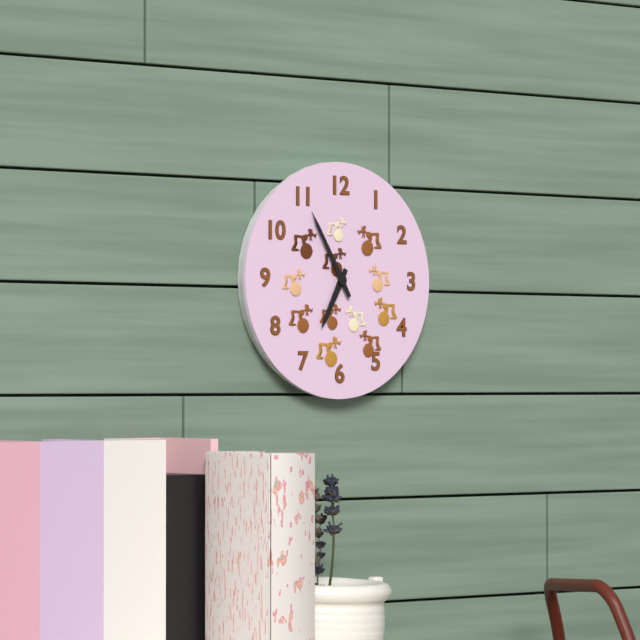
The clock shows 6h55
